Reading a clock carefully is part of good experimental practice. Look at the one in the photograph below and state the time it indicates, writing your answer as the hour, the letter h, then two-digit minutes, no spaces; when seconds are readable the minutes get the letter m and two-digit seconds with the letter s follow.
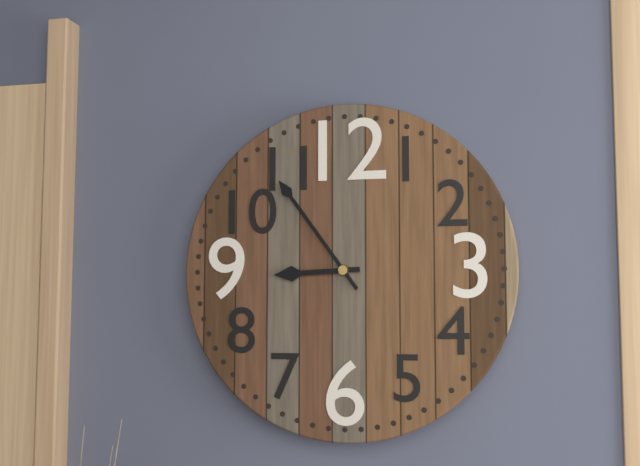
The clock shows 8h54
